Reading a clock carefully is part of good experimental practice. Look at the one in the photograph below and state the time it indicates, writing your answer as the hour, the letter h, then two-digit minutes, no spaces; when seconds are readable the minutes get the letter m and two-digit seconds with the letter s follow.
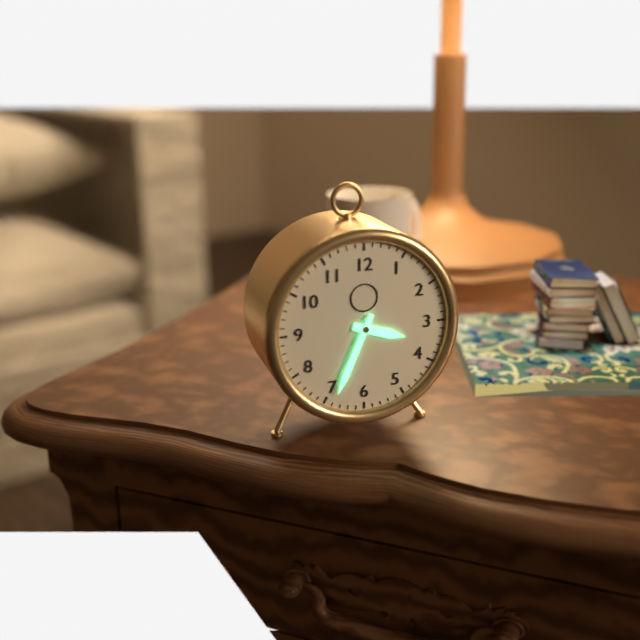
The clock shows 3h34
